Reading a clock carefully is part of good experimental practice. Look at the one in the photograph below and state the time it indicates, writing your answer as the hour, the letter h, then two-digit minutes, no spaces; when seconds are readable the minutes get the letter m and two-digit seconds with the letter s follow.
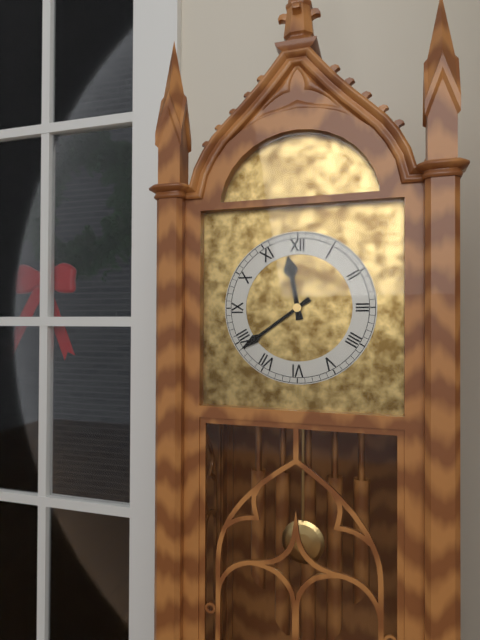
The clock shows 11h39
